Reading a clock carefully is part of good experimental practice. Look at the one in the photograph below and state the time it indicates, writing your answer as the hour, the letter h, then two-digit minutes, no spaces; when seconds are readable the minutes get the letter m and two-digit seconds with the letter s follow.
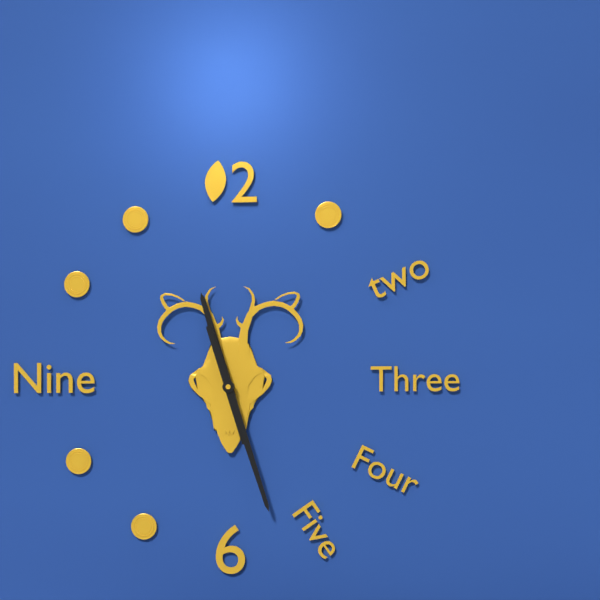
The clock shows 11h27
